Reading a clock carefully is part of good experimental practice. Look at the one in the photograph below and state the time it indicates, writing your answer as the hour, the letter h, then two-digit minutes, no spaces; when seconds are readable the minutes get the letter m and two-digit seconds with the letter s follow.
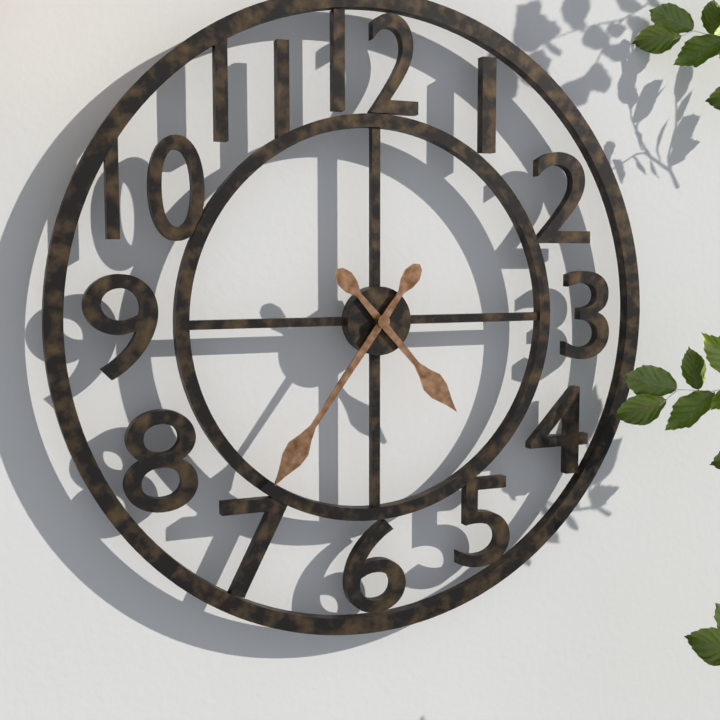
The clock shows 4h36
